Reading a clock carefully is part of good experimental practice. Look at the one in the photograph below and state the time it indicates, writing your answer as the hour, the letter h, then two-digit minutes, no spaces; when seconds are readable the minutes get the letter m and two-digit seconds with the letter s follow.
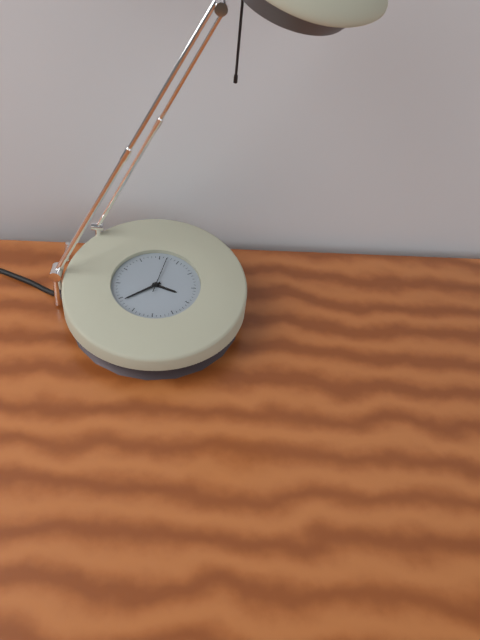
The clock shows 3h39
